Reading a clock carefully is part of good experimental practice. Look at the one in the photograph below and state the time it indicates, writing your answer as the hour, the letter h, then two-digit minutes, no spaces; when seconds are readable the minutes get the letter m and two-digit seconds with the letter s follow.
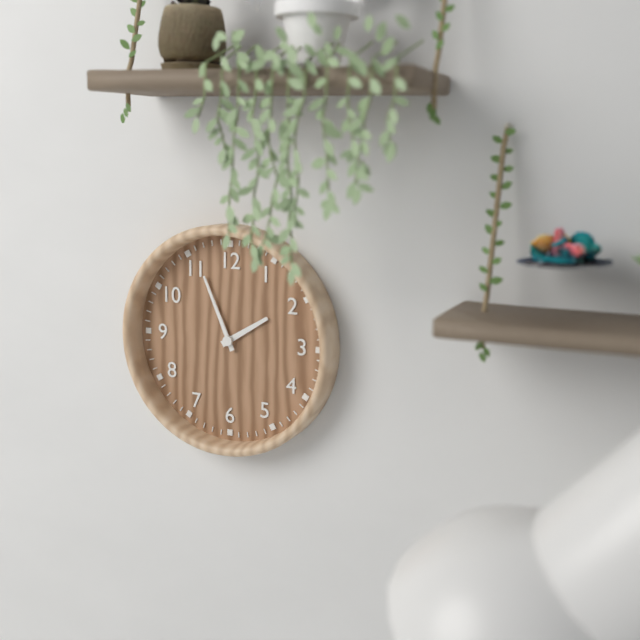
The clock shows 1h56
